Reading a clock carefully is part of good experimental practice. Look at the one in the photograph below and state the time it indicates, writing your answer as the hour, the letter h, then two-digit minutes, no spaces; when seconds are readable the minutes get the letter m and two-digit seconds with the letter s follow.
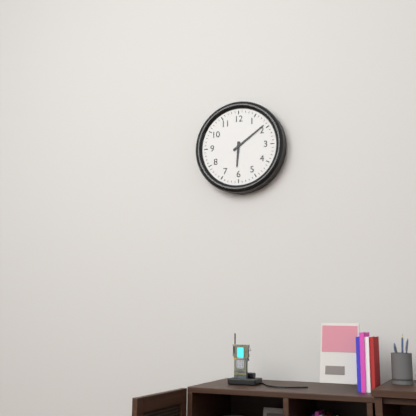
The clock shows 6h09
